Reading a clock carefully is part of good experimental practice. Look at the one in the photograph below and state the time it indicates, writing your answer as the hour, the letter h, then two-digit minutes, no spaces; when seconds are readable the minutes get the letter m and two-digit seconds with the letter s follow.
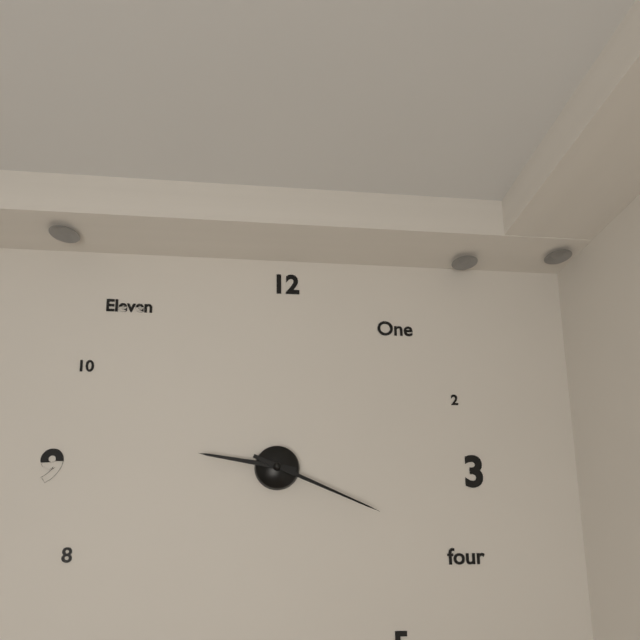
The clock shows 9h19
